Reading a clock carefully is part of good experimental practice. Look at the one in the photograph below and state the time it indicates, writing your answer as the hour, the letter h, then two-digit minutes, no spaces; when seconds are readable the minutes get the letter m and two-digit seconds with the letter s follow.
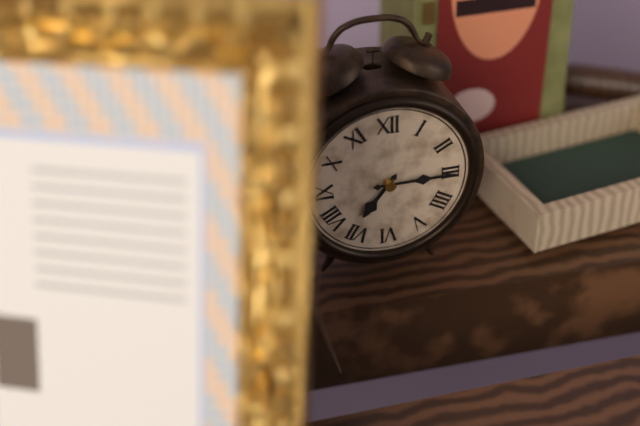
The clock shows 7h15
